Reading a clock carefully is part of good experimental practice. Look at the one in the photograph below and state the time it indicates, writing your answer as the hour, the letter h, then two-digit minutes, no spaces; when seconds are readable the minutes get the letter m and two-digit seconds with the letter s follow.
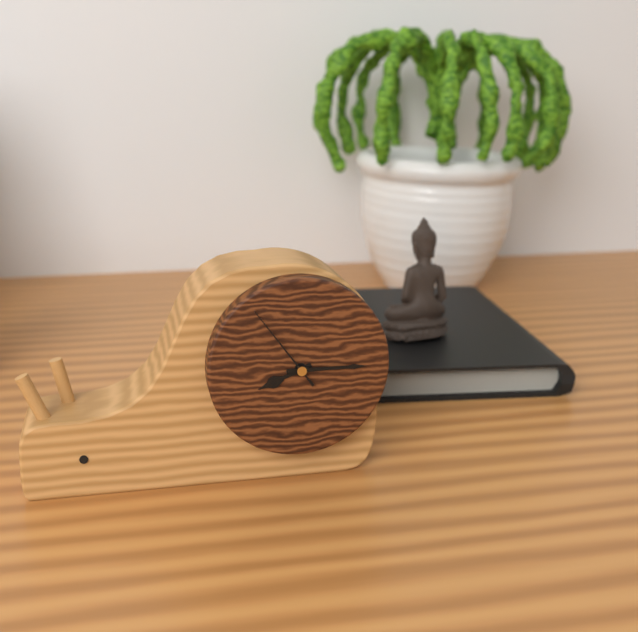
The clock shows 8h15m54s
